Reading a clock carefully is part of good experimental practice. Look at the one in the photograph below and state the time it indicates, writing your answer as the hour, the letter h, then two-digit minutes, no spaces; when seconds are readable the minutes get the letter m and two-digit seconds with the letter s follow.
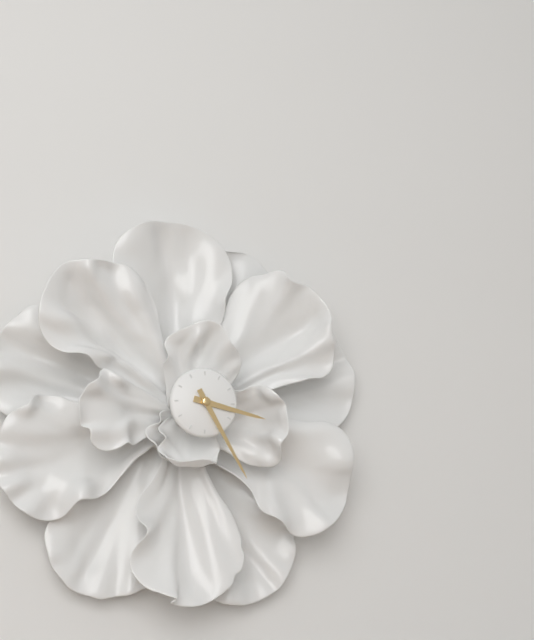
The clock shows 3h25
